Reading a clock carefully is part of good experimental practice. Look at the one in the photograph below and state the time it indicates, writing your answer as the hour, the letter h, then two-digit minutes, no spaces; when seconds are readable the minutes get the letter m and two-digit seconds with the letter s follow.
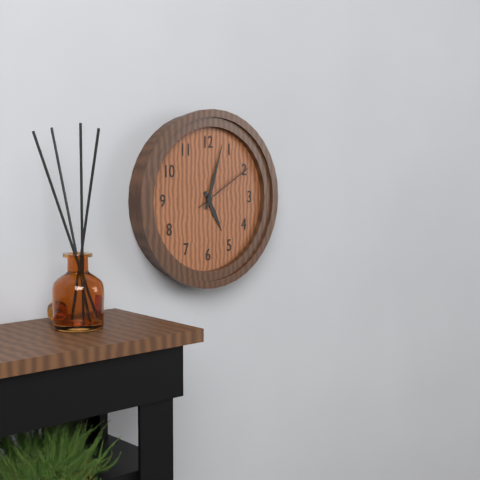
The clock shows 5h03m10s
